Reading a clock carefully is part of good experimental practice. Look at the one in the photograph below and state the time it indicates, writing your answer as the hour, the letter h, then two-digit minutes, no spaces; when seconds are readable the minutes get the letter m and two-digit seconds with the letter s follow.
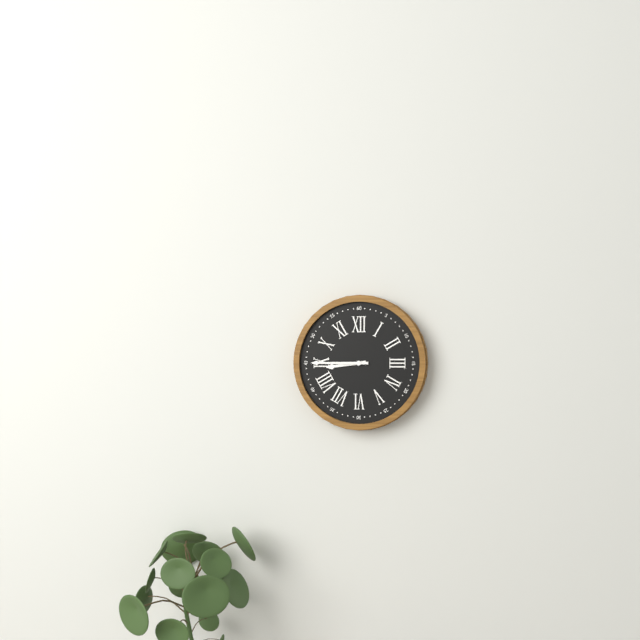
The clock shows 8h45
